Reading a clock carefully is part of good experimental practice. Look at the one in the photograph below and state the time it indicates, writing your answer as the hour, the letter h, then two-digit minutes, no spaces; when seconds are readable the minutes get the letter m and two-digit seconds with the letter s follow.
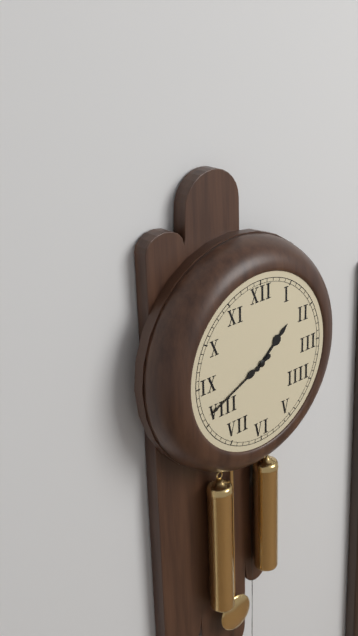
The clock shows 1h41
